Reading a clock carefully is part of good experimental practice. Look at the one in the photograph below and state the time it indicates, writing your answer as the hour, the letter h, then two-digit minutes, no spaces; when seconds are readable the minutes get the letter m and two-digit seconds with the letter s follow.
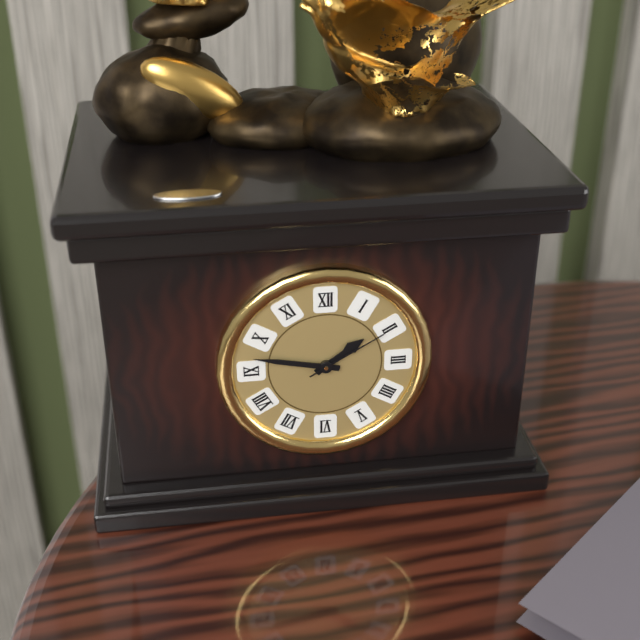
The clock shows 1h47m10s
